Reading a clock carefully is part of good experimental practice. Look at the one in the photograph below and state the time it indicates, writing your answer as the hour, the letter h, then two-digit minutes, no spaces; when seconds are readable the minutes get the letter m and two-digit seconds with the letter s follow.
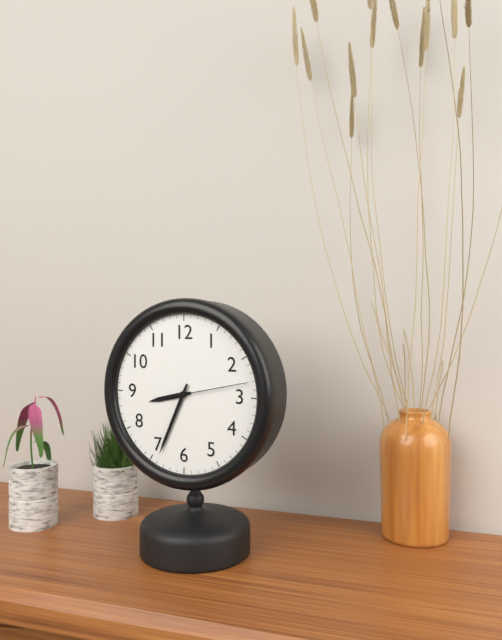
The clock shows 8h34m13s
